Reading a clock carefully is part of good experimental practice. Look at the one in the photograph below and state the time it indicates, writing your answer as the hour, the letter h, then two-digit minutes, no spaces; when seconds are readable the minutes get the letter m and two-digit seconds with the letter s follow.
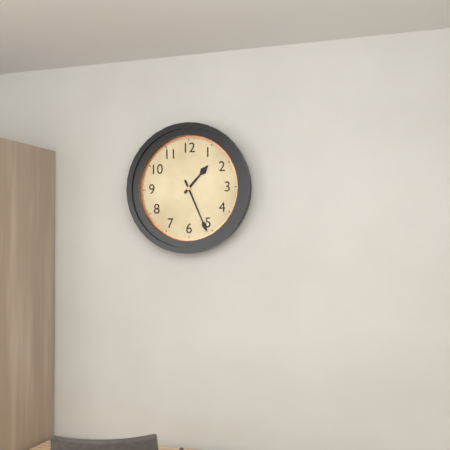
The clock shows 1h26
